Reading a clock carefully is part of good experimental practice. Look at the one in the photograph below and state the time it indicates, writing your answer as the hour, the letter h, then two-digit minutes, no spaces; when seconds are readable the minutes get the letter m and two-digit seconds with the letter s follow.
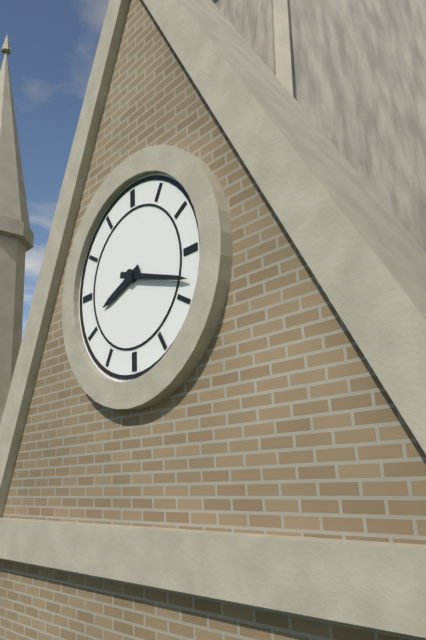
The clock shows 8h18
